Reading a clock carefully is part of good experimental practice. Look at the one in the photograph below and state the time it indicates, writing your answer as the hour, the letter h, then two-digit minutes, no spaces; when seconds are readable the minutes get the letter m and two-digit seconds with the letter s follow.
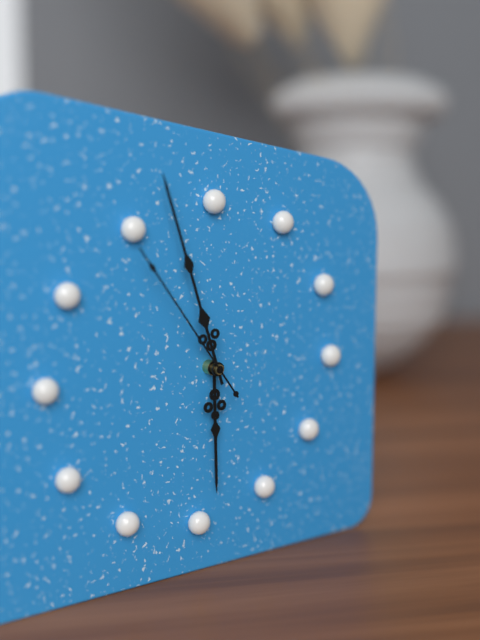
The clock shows 5h57m54s
